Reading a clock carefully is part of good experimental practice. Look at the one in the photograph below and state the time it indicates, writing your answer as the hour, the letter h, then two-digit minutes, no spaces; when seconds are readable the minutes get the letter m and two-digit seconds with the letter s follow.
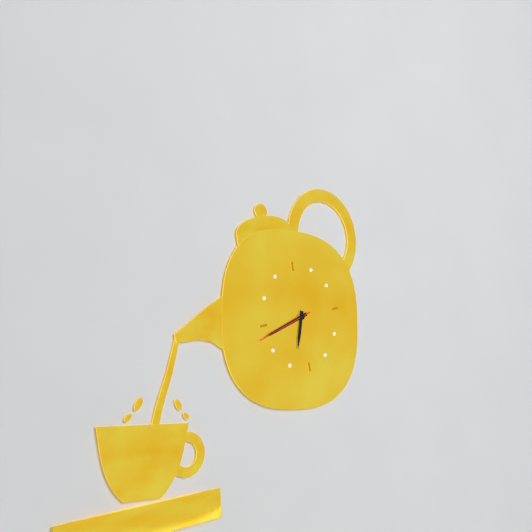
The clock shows 6h43m43s
